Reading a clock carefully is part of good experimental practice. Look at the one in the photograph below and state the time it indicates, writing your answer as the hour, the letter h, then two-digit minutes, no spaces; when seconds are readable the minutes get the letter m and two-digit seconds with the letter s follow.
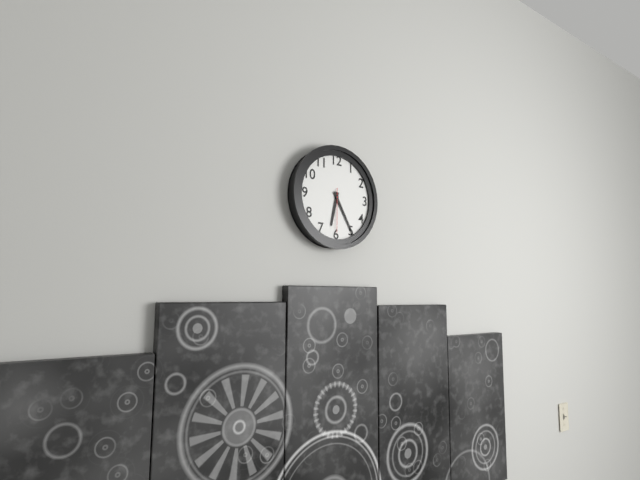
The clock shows 6h25
